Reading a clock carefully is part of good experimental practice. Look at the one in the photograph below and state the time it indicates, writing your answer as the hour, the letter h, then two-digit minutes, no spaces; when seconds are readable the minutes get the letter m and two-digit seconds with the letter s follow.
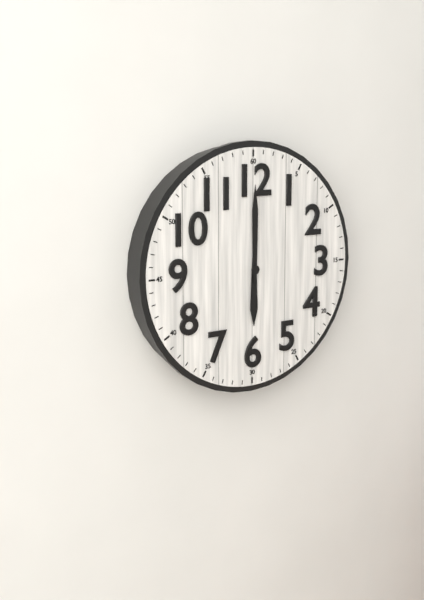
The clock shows 6h00
